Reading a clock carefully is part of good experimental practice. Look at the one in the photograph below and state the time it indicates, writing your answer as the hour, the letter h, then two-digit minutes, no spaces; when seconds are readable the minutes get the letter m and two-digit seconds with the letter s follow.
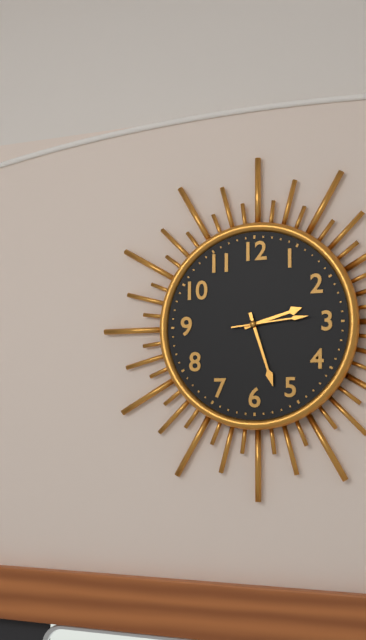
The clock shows 2h27m14s
